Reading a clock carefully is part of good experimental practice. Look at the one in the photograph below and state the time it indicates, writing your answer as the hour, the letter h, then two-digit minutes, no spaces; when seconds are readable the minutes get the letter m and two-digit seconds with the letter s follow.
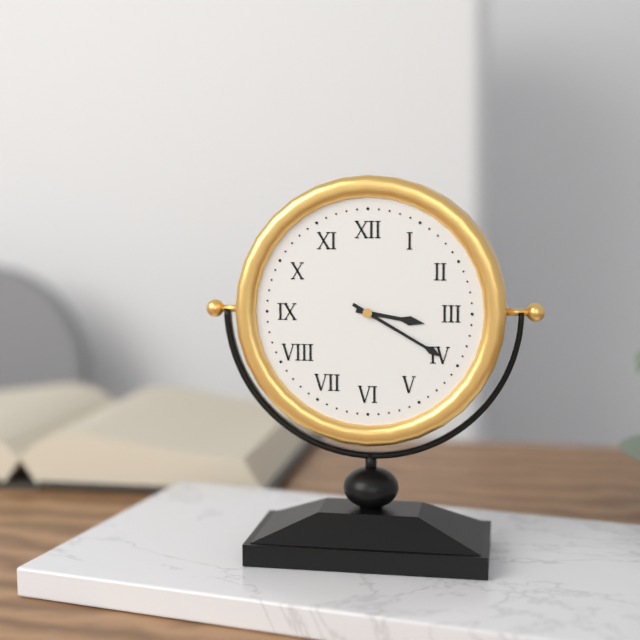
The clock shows 3h20
